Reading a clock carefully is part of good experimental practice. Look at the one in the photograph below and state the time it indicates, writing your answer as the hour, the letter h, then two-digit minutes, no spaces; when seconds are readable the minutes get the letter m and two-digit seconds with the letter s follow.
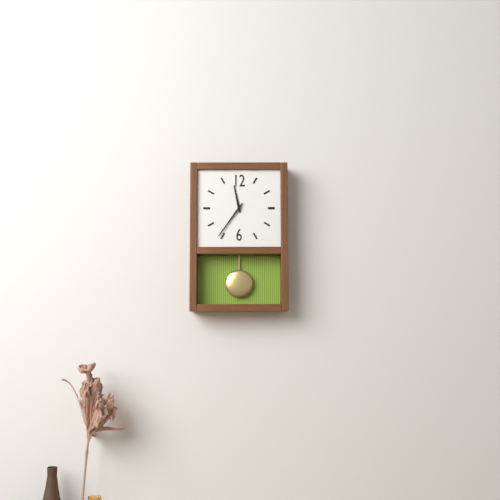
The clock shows 11h36
